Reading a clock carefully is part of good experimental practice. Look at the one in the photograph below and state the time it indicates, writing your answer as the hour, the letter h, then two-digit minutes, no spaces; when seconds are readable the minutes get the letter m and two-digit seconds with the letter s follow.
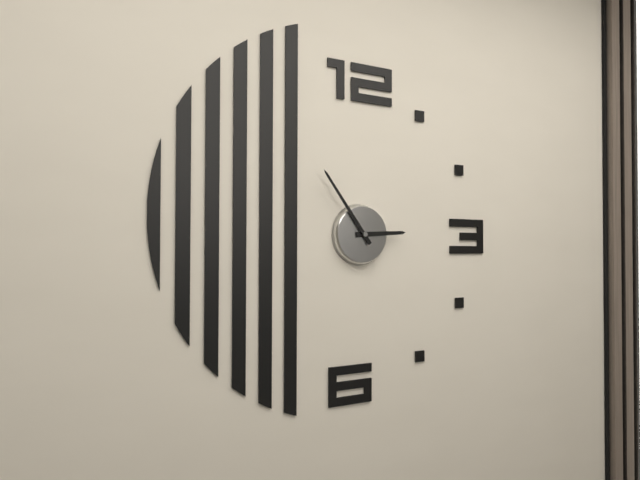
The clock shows 2h54
